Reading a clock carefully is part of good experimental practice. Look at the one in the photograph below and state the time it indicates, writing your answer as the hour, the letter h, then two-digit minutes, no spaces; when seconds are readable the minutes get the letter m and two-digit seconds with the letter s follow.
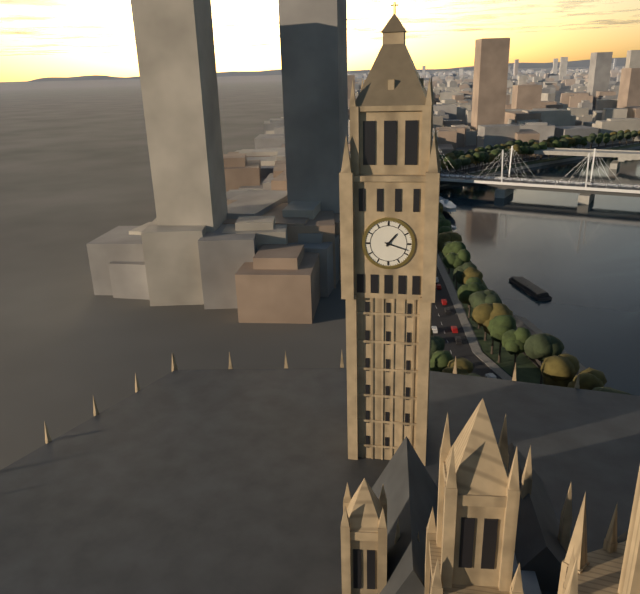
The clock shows 1h18
